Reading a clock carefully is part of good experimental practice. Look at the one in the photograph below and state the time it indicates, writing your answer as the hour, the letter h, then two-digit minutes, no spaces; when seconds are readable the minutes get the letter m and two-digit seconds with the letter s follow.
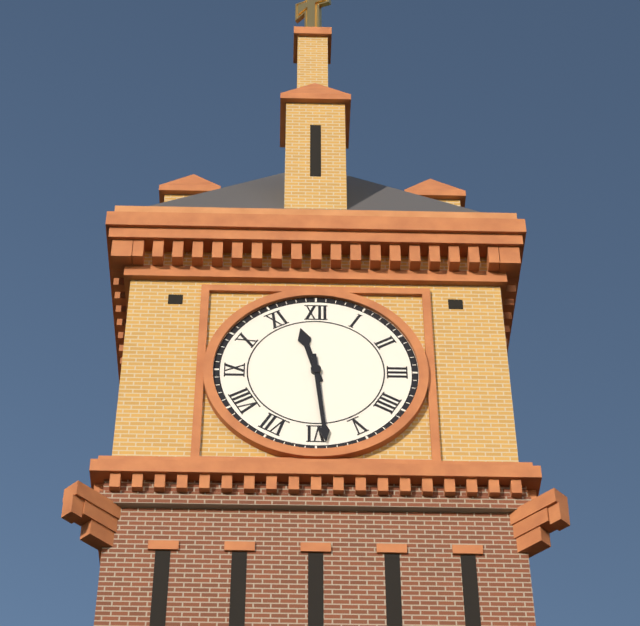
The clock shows 11h29
